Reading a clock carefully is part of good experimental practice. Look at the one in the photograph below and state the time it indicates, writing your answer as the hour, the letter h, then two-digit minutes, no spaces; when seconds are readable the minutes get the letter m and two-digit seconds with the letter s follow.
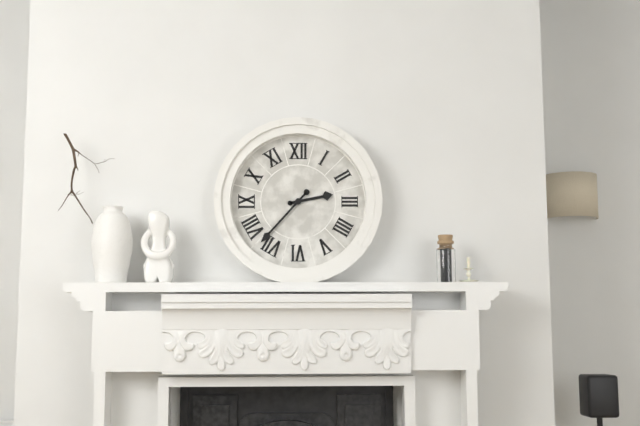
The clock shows 2h37
